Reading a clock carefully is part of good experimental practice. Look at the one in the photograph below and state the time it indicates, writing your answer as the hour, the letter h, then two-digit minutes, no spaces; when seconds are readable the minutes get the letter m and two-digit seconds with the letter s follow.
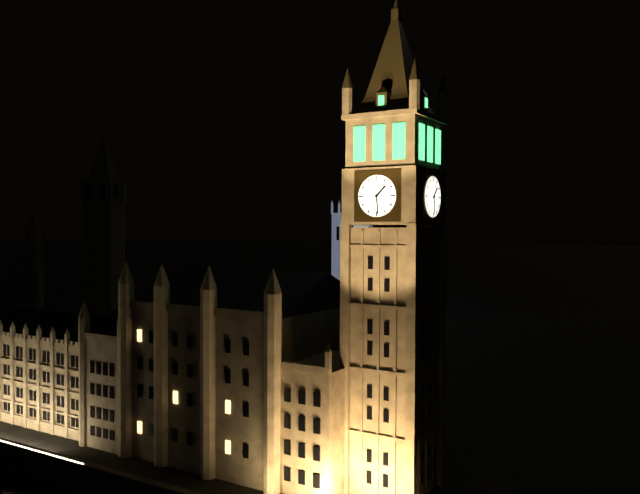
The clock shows 1h29
